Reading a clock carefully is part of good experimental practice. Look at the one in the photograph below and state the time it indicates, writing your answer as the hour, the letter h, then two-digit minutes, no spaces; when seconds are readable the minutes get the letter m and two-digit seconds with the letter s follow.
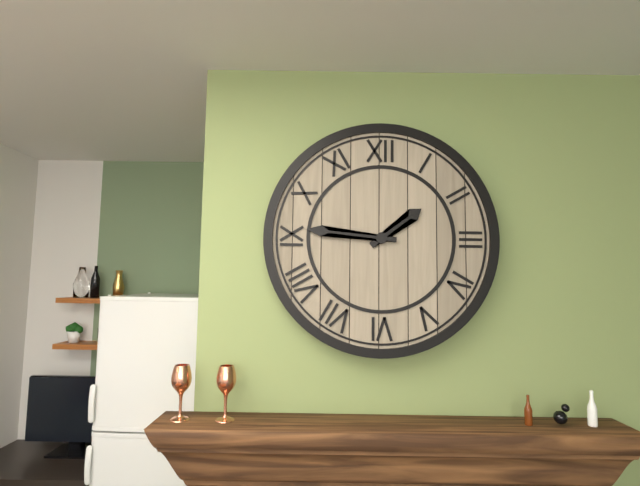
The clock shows 1h46
